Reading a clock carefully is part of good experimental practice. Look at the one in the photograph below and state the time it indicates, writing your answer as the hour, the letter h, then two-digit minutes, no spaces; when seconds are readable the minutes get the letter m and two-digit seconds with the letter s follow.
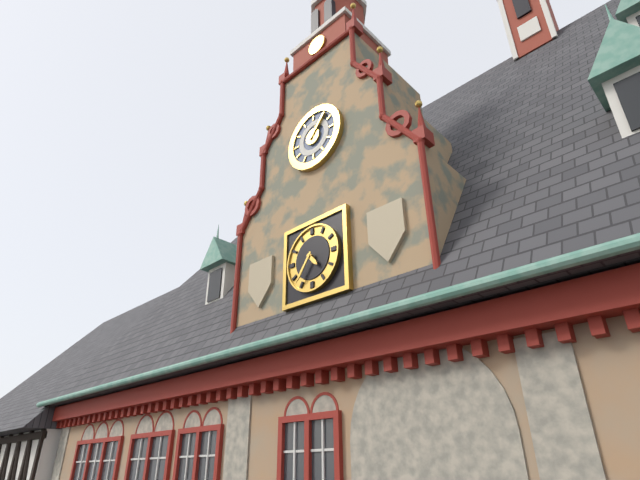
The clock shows 4h36
